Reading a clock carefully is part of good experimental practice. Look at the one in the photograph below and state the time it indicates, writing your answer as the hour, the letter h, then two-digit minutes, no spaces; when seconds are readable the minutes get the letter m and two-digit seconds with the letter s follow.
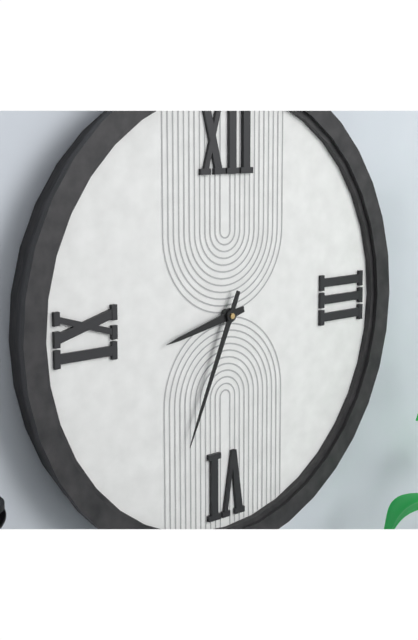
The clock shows 8h34
